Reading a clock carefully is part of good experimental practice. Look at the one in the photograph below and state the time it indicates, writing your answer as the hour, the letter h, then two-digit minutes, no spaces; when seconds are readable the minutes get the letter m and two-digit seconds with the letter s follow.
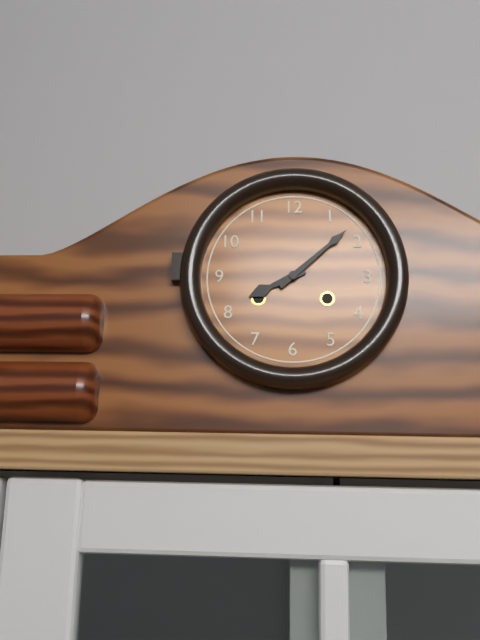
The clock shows 8h08
